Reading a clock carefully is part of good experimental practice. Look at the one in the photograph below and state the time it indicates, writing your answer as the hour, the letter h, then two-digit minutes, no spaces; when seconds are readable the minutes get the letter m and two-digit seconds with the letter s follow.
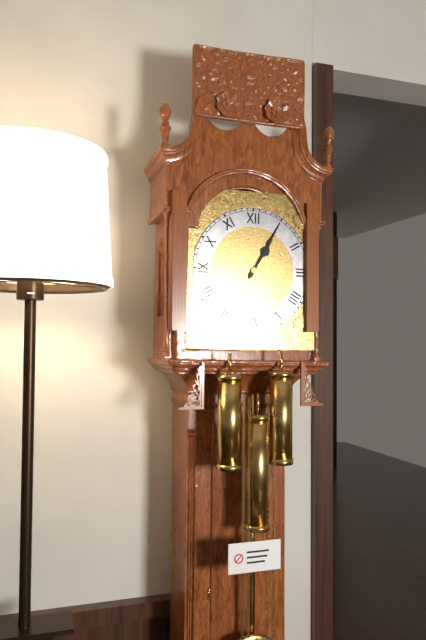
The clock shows 1h05
